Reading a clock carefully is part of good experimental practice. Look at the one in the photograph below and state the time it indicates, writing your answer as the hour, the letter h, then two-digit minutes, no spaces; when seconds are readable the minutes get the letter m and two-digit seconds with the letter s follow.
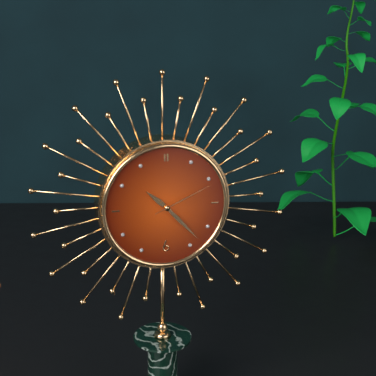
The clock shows 10h23m11s
